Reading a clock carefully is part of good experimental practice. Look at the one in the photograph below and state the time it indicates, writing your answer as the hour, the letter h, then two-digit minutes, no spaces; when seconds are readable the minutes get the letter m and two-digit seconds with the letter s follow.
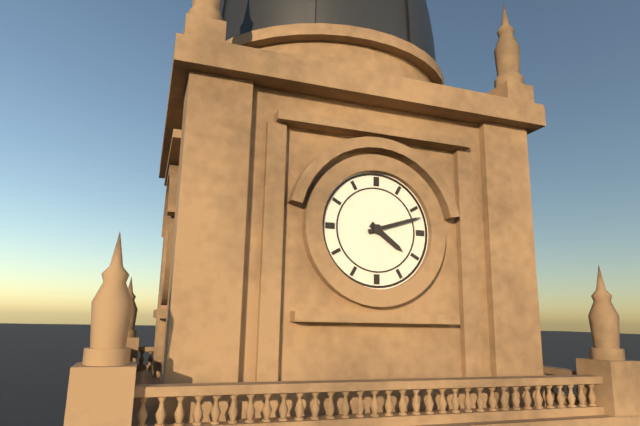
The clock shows 4h12
